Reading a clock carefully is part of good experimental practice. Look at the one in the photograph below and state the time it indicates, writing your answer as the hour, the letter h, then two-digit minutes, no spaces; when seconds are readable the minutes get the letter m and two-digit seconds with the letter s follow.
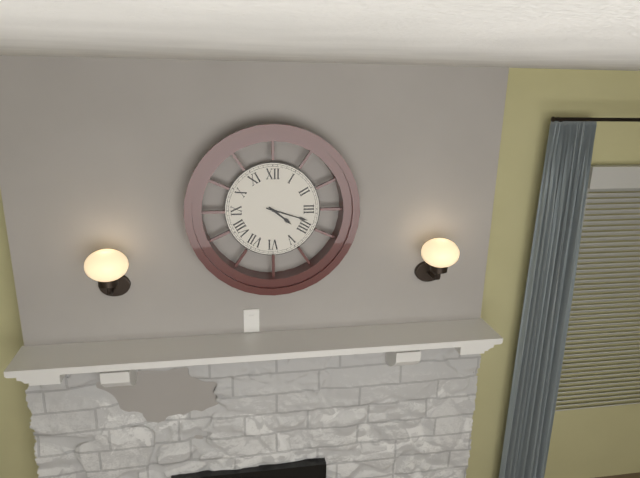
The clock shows 4h18
